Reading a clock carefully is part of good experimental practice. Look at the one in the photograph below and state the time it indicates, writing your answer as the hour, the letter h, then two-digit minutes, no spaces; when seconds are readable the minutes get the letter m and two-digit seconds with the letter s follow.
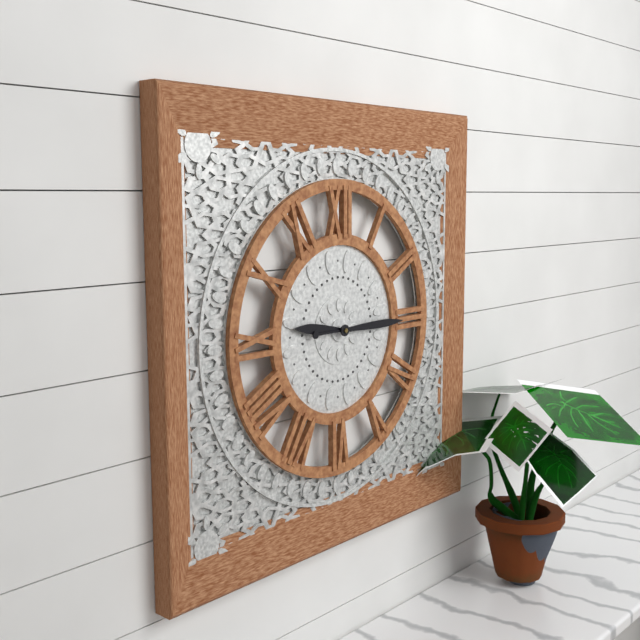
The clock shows 9h15
